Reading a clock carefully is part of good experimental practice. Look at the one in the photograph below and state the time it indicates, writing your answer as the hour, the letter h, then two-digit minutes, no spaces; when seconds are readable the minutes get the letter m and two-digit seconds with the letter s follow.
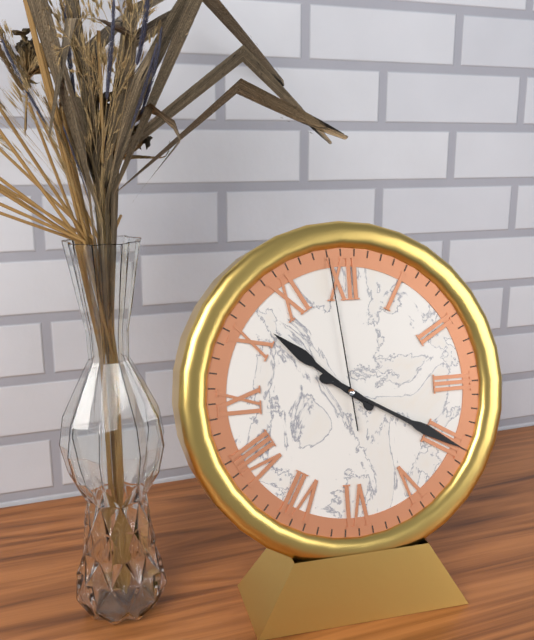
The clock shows 10h20m59s
